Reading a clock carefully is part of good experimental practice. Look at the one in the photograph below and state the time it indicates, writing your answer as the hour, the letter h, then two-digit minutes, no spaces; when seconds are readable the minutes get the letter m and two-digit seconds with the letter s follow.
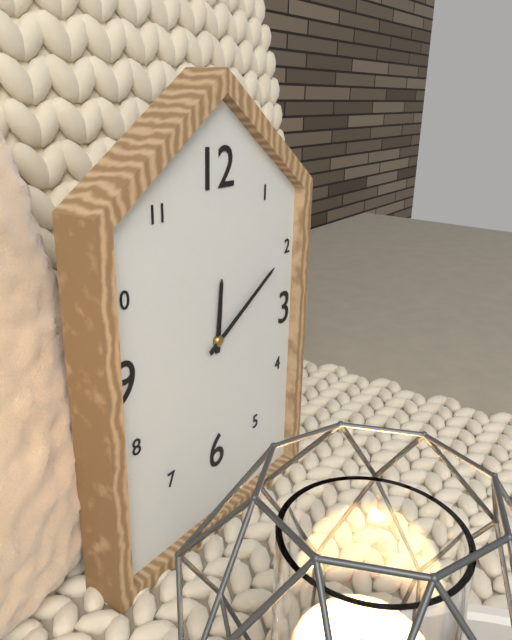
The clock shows 12h10
